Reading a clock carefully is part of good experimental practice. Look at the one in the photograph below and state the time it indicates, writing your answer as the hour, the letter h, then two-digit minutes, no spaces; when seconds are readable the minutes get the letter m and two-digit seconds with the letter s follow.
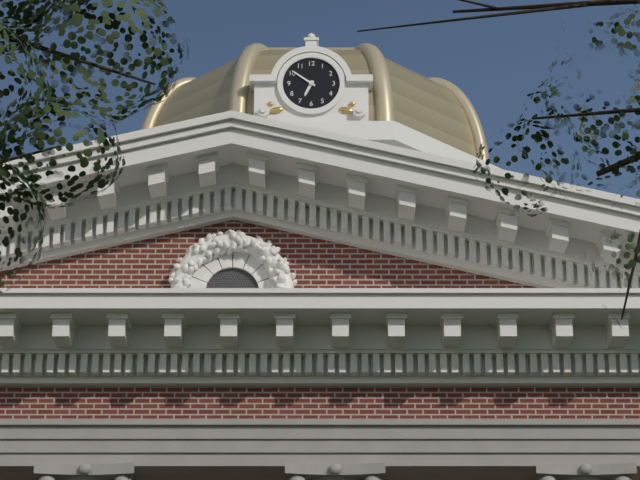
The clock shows 6h51
